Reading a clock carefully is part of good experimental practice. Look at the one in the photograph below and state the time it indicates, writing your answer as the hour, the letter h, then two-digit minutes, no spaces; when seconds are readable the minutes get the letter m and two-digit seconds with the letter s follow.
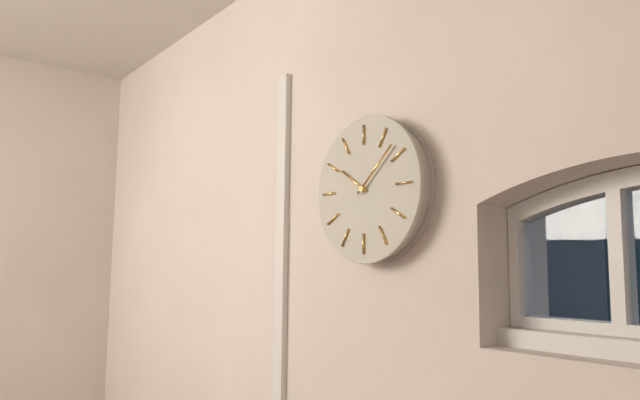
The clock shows 10h08
